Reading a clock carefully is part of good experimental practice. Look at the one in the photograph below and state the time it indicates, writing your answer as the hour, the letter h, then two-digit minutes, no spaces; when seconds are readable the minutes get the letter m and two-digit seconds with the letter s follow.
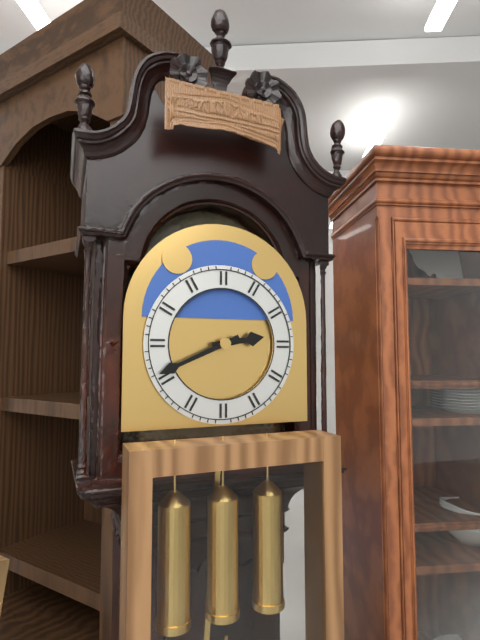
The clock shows 2h41
